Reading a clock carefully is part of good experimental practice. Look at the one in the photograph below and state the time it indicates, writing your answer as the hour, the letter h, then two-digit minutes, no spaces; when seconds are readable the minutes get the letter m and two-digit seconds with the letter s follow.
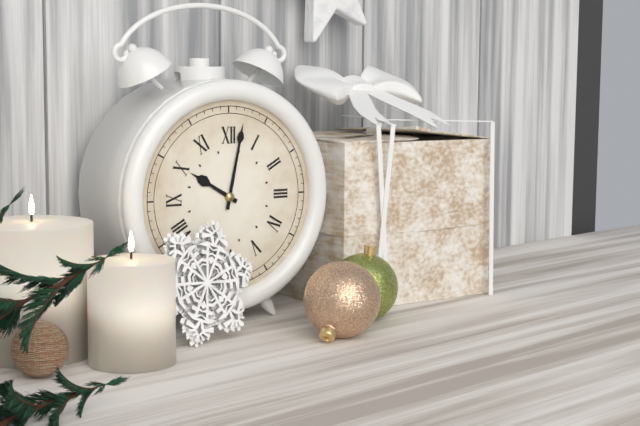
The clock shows 10h02
